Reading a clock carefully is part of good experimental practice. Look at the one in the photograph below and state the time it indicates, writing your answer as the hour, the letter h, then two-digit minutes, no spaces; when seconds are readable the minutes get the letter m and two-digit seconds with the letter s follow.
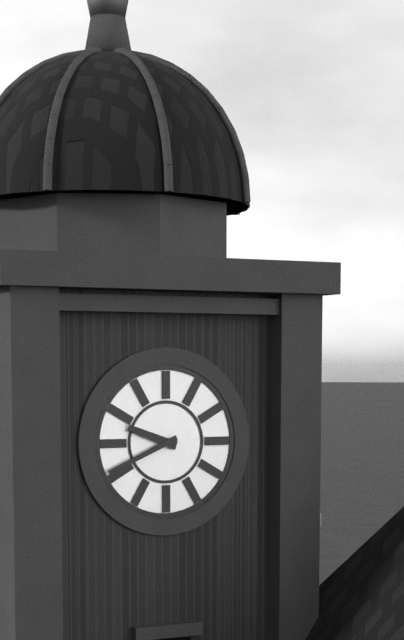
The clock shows 9h41
